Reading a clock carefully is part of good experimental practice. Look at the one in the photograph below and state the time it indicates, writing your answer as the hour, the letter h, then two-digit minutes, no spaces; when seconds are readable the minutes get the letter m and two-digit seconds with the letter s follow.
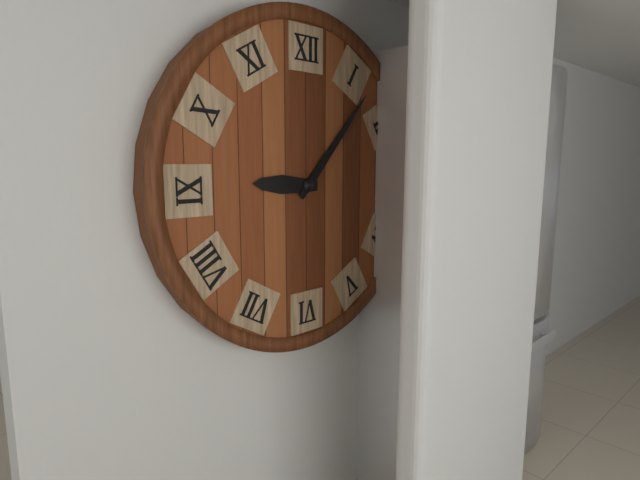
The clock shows 9h07
